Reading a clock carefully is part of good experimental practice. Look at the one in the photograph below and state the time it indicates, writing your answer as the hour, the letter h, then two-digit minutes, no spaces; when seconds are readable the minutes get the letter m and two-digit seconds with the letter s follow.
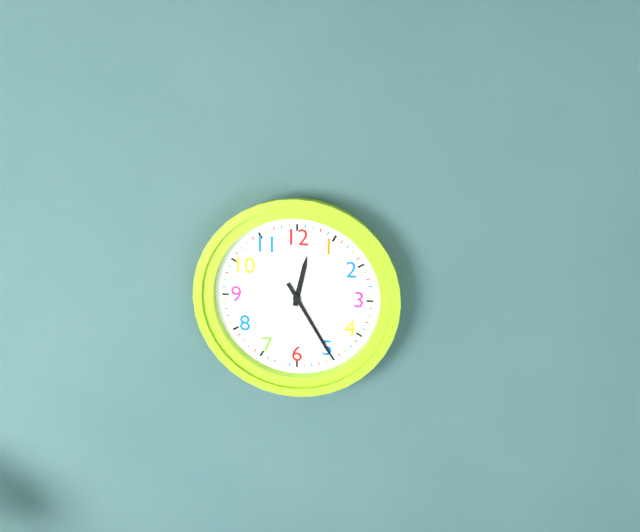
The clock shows 12h25
